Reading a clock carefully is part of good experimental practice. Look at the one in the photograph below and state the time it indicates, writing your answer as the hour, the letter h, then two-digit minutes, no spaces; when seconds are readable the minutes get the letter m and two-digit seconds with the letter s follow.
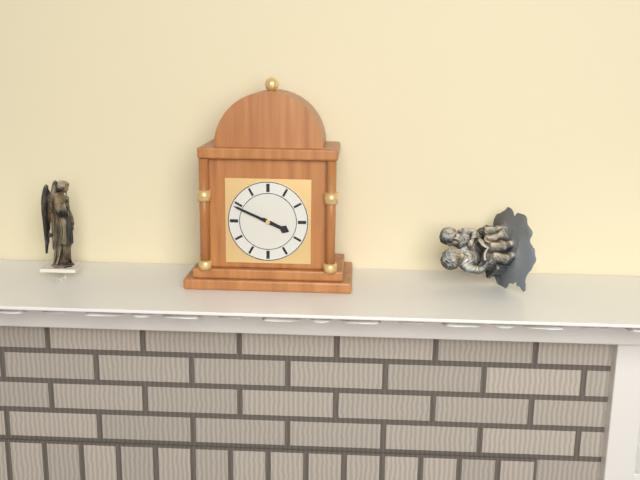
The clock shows 3h49
